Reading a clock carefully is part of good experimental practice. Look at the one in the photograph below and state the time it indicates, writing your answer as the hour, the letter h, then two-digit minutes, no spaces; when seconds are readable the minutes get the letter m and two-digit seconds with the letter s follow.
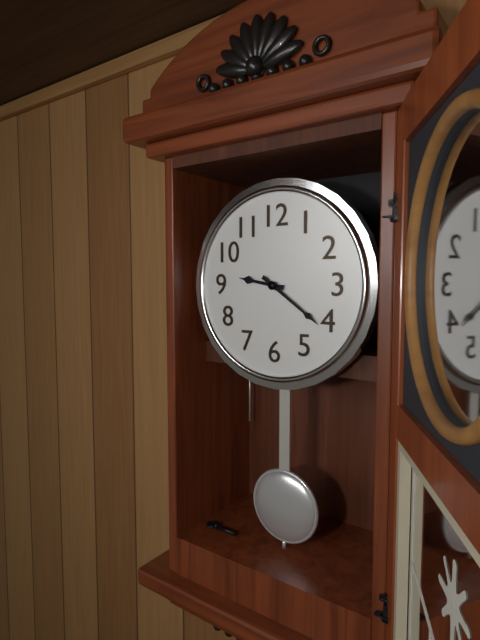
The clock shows 9h21
